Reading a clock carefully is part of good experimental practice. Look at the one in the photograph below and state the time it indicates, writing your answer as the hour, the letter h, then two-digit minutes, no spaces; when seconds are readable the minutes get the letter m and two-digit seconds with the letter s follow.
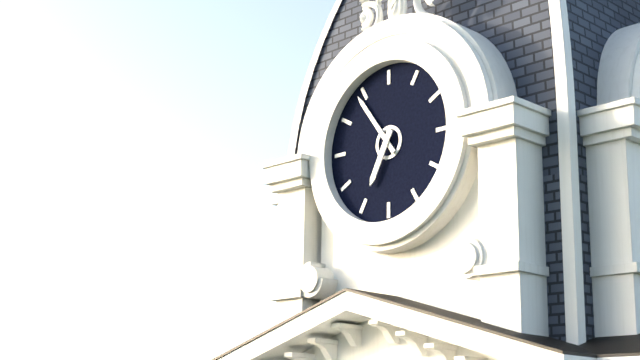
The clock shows 6h54
